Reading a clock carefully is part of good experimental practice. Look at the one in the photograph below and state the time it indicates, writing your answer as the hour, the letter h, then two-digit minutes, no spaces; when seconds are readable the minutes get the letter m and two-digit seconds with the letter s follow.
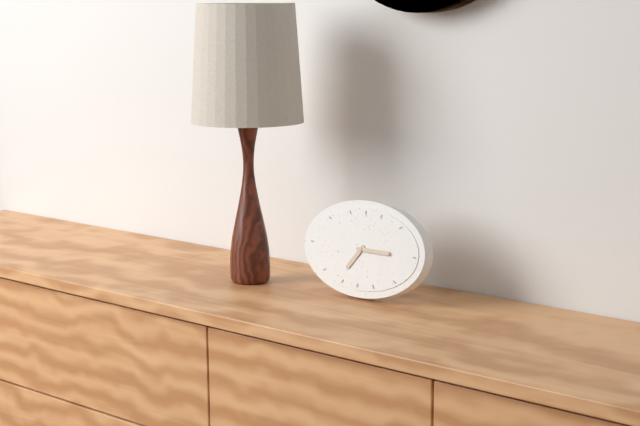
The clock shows 7h15
